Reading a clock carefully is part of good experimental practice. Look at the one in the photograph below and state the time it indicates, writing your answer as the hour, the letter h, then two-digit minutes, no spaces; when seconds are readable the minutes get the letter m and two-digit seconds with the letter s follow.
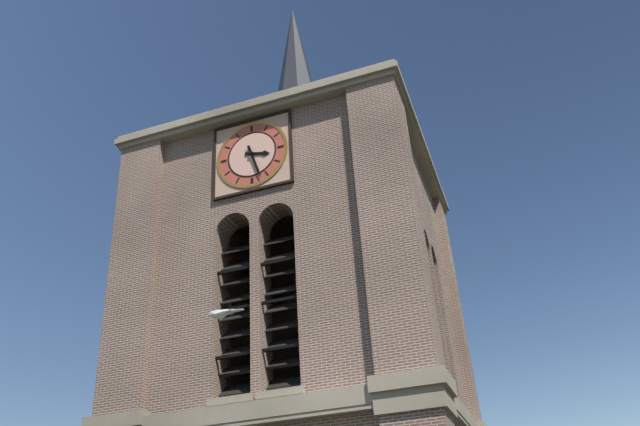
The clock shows 3h27
